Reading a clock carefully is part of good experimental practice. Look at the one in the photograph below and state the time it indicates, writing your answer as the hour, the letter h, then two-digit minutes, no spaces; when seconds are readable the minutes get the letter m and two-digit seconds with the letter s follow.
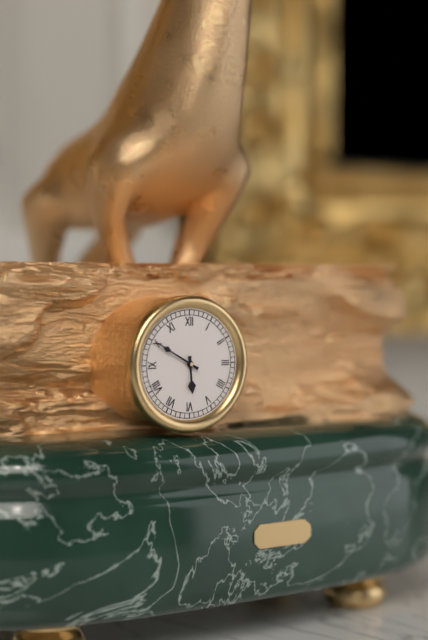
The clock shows 5h50
